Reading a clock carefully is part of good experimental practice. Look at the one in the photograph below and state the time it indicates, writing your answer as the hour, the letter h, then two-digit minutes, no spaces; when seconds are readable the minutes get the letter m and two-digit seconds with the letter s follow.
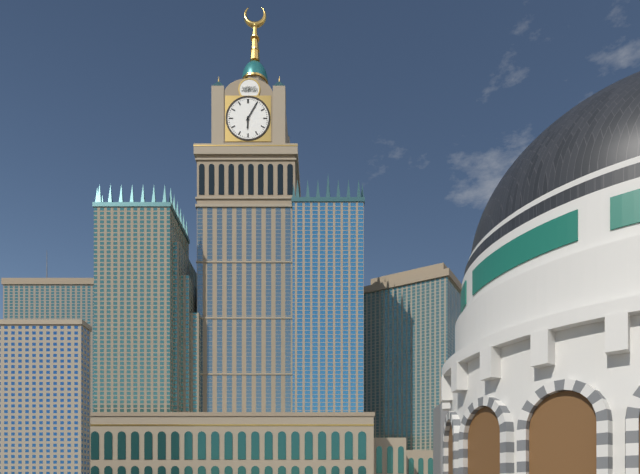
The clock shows 6h05
